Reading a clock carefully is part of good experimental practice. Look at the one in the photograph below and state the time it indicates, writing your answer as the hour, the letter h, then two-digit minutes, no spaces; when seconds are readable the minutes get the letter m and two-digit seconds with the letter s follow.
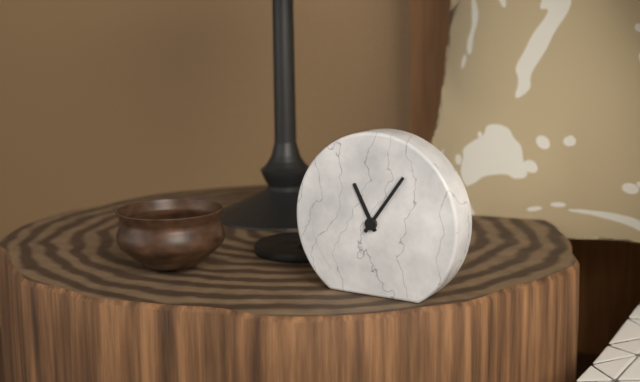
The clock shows 11h06
